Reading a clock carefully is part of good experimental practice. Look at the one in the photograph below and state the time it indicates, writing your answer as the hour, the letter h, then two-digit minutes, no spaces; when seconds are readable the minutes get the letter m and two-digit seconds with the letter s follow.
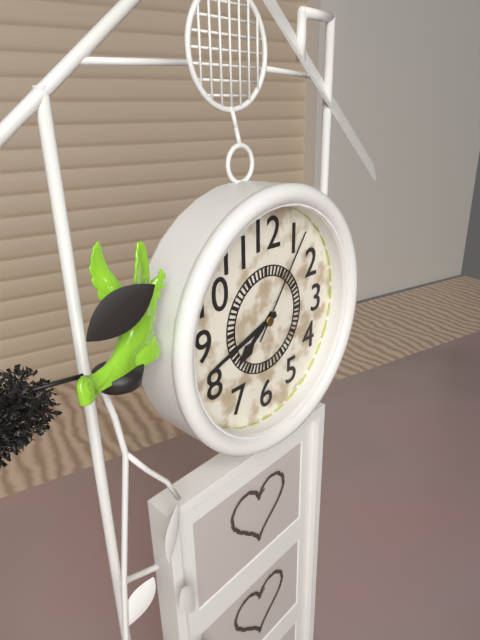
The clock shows 7h42m06s
